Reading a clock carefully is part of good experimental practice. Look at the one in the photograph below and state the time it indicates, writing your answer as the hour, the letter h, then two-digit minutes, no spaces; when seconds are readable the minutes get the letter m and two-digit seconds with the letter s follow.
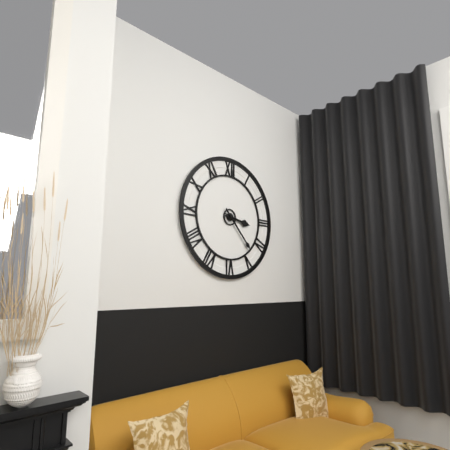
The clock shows 3h23
